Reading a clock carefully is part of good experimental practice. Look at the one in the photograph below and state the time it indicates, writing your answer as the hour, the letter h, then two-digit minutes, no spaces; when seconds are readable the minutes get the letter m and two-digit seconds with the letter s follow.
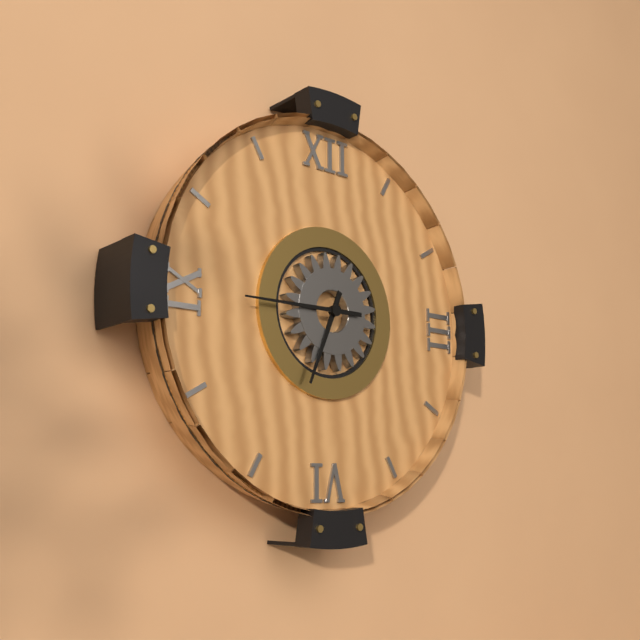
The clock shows 6h45
